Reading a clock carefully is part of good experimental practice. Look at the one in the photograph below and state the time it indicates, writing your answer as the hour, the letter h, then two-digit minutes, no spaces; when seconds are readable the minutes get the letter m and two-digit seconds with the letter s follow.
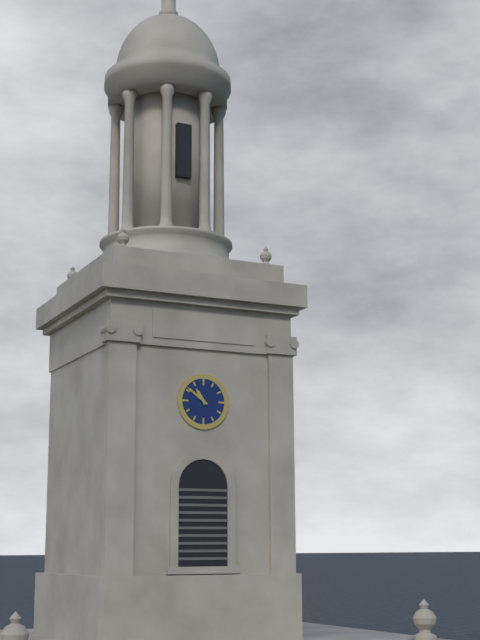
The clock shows 10h51
